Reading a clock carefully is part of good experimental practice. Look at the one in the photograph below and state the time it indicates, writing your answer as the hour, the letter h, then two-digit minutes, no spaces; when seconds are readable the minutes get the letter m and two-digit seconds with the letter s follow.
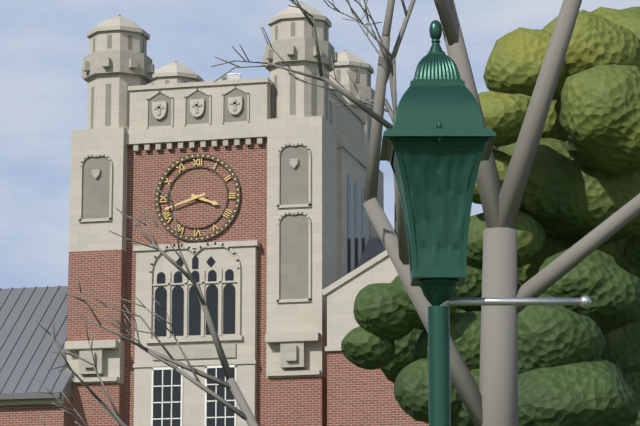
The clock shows 3h42
